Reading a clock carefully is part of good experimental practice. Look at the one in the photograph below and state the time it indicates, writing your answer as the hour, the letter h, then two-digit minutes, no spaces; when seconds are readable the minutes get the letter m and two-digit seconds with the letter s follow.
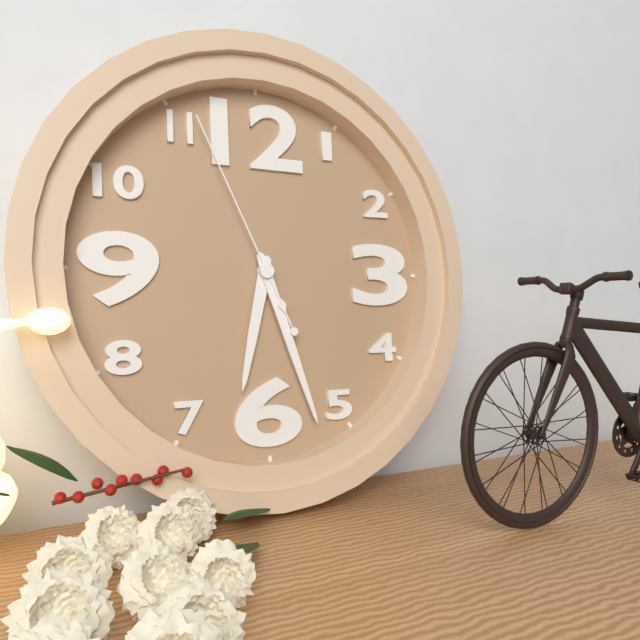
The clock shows 6h27m56s
